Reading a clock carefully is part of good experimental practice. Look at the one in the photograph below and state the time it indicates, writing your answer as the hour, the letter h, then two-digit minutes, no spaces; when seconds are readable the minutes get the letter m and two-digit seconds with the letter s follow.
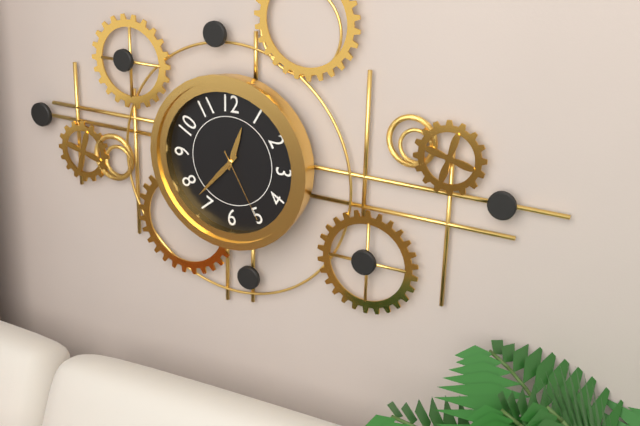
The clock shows 12h37m25s
